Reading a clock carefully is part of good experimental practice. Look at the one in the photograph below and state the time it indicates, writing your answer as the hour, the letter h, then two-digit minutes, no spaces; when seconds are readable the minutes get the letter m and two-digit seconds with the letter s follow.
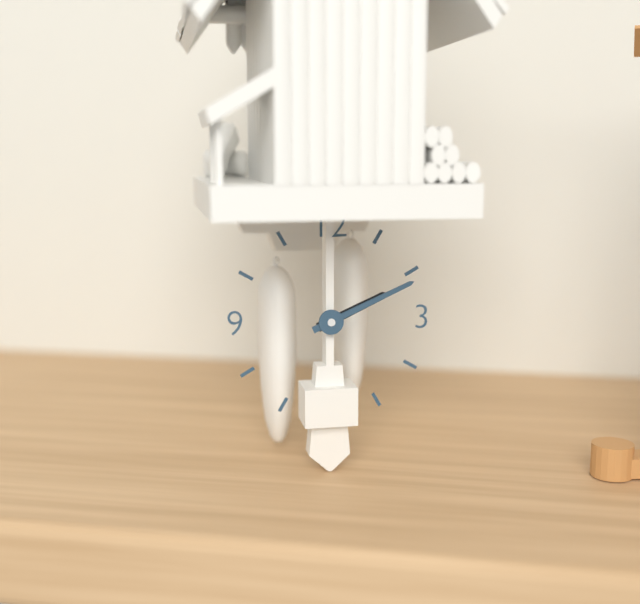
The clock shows 2h11
